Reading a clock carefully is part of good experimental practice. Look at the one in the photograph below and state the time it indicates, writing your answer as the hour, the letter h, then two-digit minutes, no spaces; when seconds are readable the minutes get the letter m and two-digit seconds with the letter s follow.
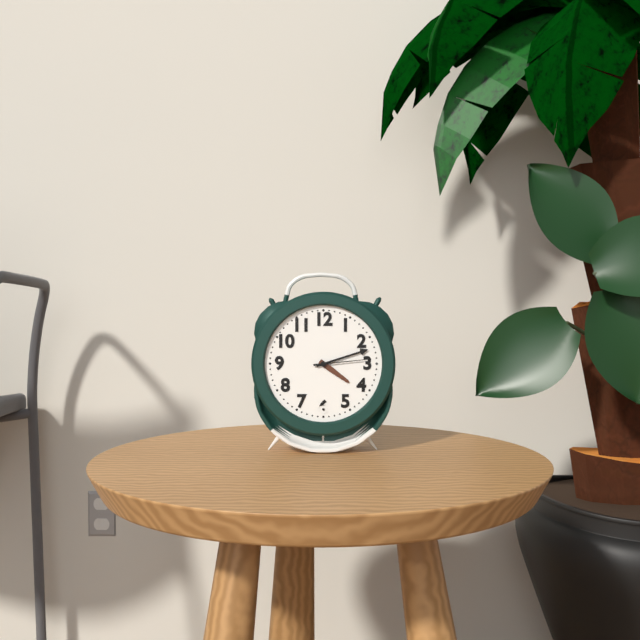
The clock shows 4h12m14s
